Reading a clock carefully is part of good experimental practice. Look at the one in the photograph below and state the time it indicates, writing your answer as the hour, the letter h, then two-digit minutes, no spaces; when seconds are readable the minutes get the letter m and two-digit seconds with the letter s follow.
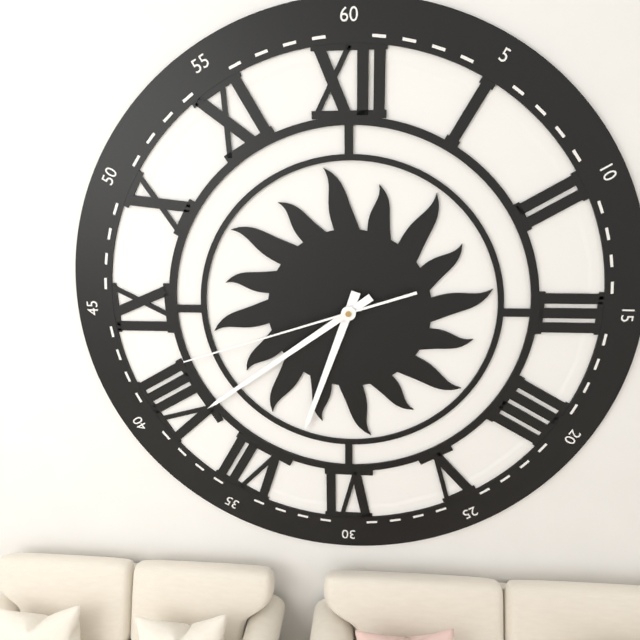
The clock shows 6h39m42s
